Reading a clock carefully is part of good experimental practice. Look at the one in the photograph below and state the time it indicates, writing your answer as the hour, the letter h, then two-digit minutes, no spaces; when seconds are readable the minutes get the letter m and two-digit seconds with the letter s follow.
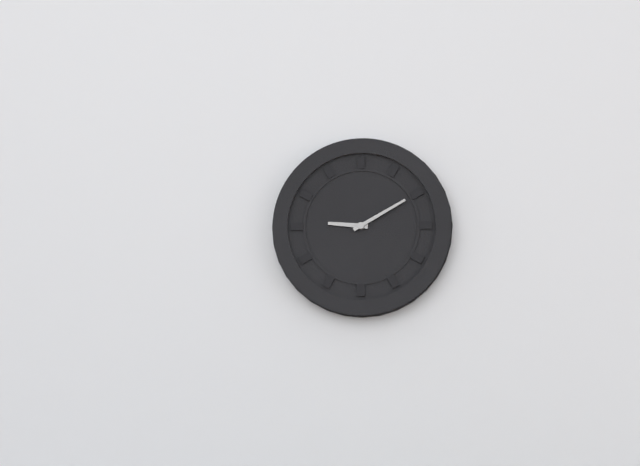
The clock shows 9h10
